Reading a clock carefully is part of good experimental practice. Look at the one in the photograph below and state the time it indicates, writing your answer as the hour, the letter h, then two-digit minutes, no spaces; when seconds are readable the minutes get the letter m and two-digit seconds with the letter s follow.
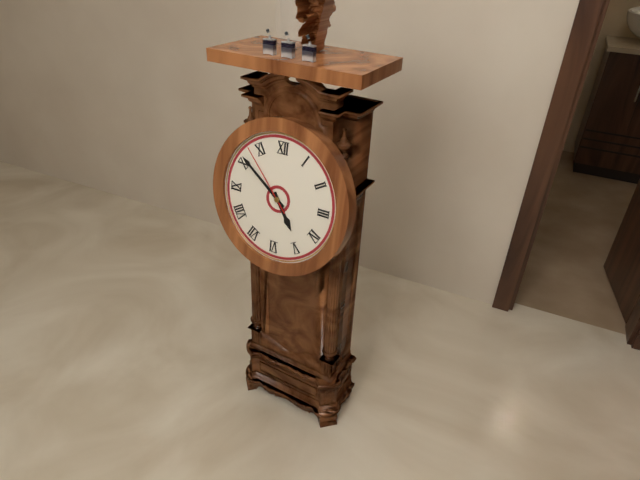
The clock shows 4h51m53s
